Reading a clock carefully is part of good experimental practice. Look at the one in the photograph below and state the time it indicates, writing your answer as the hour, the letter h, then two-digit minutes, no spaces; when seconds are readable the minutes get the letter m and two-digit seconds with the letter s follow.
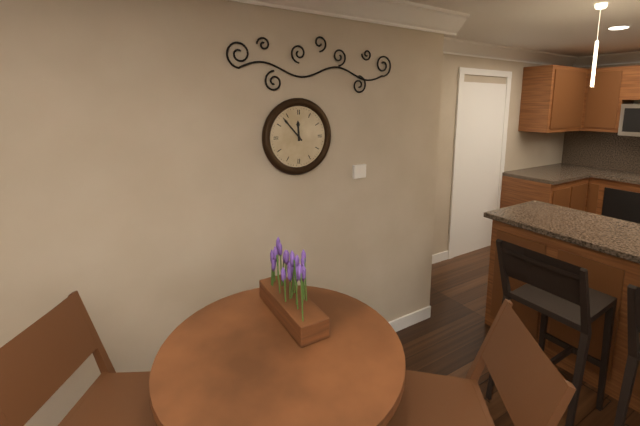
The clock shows 11h53
